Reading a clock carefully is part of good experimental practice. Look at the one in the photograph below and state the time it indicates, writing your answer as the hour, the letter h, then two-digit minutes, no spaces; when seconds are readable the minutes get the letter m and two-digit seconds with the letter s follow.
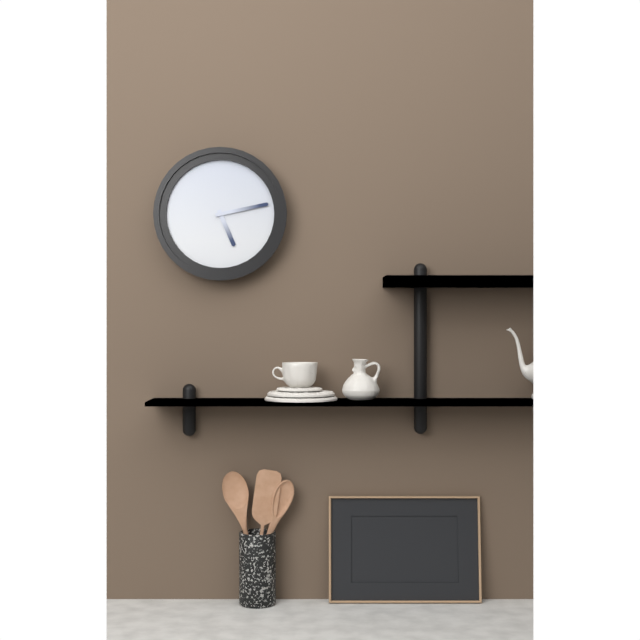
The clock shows 5h13
